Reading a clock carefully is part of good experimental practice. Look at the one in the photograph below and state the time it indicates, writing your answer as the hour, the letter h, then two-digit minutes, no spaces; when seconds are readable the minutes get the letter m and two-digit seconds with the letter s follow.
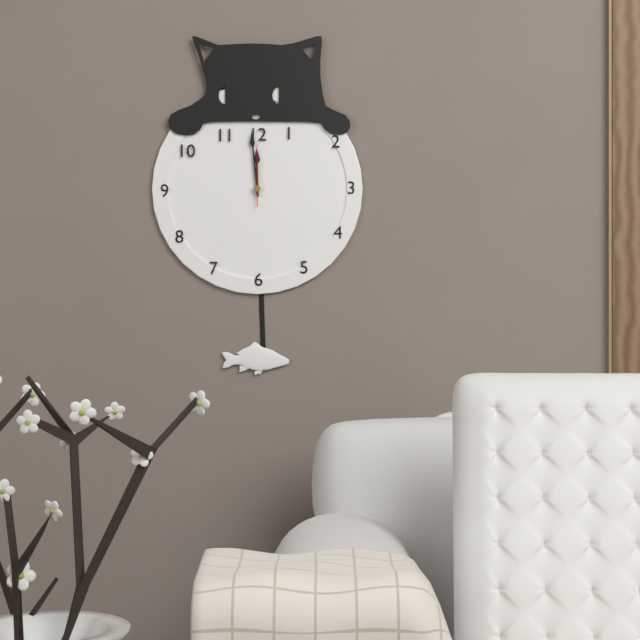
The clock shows 11h59m00s
